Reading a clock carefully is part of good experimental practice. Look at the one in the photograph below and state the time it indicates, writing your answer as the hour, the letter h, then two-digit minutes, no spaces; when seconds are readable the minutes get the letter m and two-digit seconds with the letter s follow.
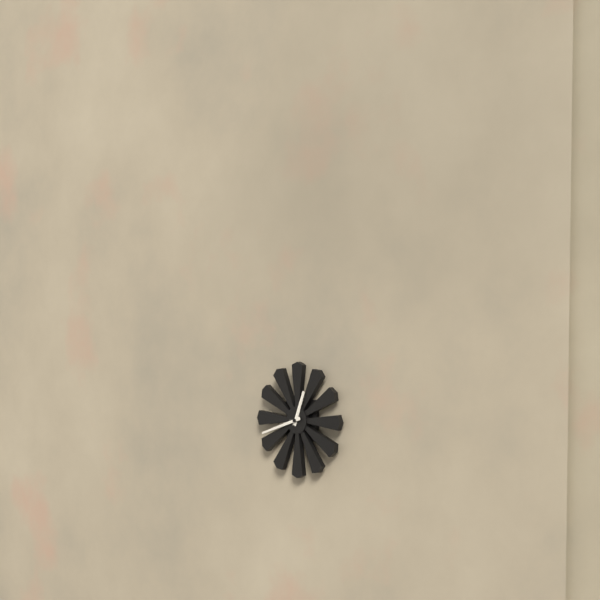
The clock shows 12h42
